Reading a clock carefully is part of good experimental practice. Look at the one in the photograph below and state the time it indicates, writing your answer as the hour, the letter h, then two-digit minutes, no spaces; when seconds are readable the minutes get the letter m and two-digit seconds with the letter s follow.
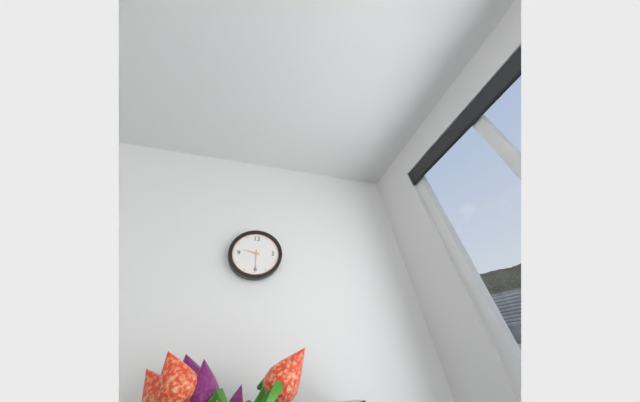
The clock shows 9h30
